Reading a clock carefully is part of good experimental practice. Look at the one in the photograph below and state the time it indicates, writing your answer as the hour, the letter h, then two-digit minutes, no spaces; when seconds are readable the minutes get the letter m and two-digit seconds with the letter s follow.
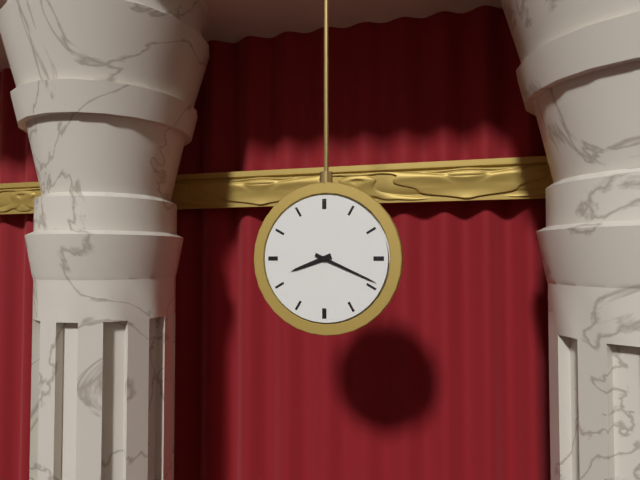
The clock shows 8h19
